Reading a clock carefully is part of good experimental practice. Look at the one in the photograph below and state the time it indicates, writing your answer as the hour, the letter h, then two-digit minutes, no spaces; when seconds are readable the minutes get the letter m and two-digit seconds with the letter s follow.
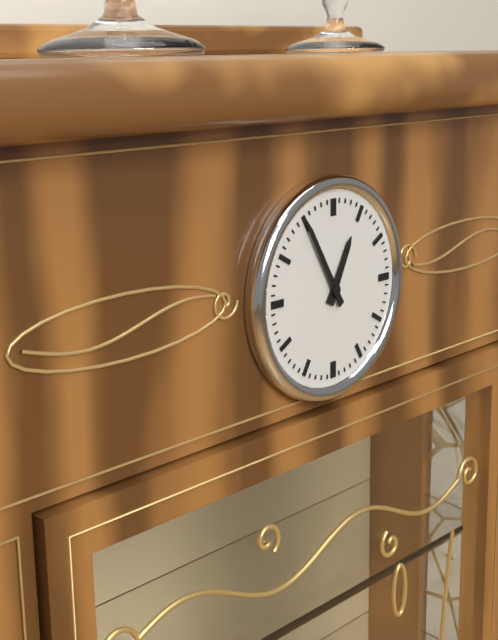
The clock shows 12h55
